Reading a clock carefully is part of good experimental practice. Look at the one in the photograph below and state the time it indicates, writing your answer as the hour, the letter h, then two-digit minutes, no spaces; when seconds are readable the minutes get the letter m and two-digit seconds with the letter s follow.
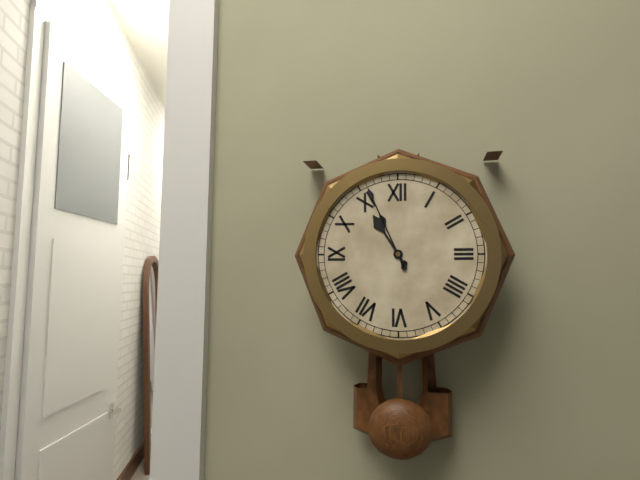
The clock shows 10h56
